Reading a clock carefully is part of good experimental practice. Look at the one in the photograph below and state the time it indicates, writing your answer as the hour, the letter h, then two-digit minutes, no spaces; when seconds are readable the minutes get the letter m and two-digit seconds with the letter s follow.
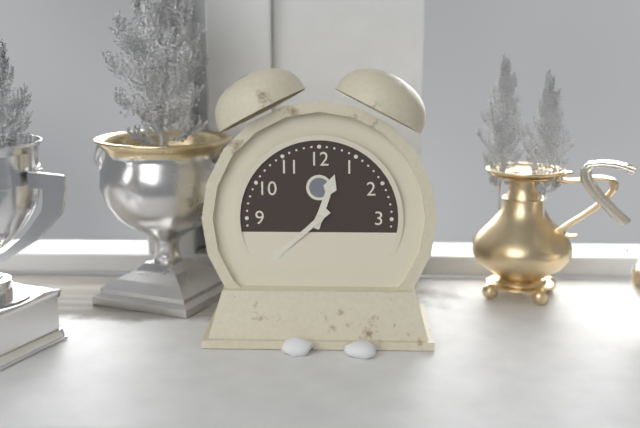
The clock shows 12h38
